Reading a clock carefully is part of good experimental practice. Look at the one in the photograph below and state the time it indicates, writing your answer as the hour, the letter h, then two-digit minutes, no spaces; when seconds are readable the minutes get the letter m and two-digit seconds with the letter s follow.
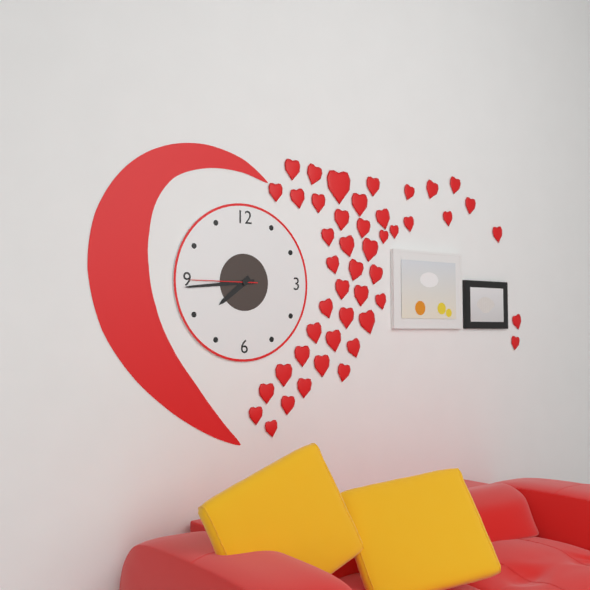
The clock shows 7h44m45s
